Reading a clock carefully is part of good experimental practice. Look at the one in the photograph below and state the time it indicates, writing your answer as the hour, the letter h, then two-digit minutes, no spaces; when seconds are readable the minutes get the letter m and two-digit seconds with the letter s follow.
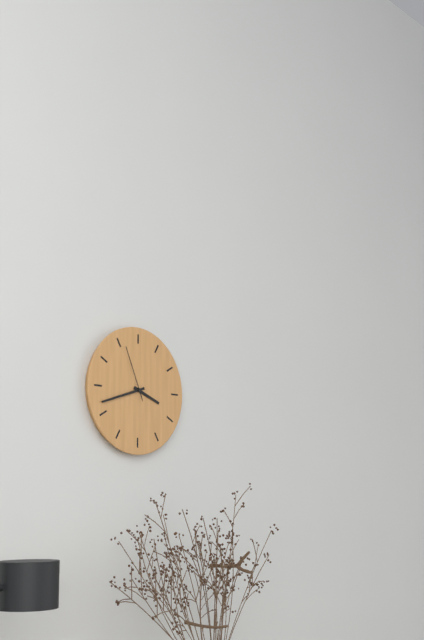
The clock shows 3h42m56s
